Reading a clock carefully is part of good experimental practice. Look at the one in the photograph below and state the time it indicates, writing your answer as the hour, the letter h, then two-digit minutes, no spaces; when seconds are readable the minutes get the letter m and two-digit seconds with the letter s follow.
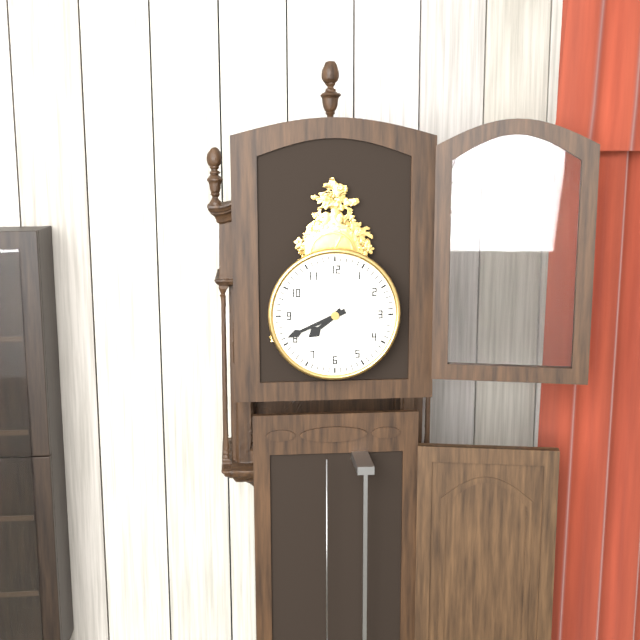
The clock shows 7h41
